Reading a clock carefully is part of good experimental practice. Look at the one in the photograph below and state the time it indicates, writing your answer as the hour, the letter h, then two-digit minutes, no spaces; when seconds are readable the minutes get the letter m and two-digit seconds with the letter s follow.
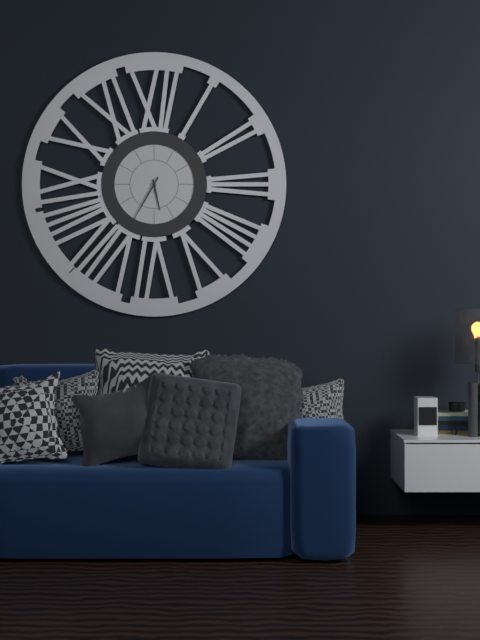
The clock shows 5h35
